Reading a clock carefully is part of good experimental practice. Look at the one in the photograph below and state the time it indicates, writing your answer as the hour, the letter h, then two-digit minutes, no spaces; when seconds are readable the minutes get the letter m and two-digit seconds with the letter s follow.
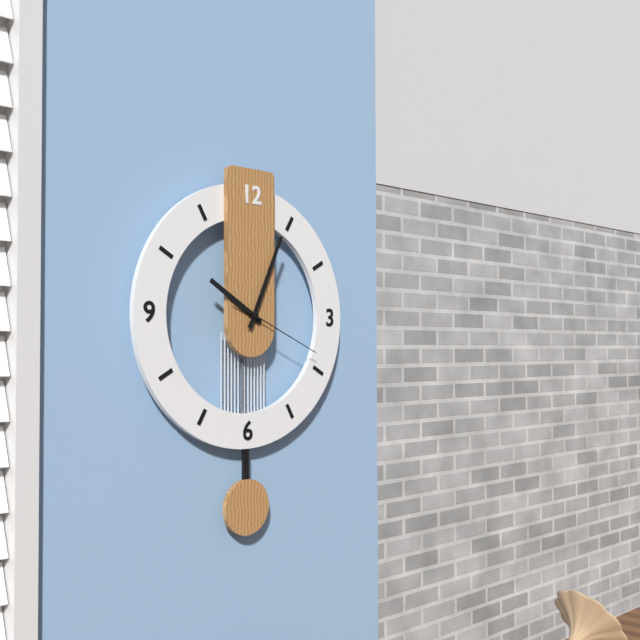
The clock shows 10h04m19s
